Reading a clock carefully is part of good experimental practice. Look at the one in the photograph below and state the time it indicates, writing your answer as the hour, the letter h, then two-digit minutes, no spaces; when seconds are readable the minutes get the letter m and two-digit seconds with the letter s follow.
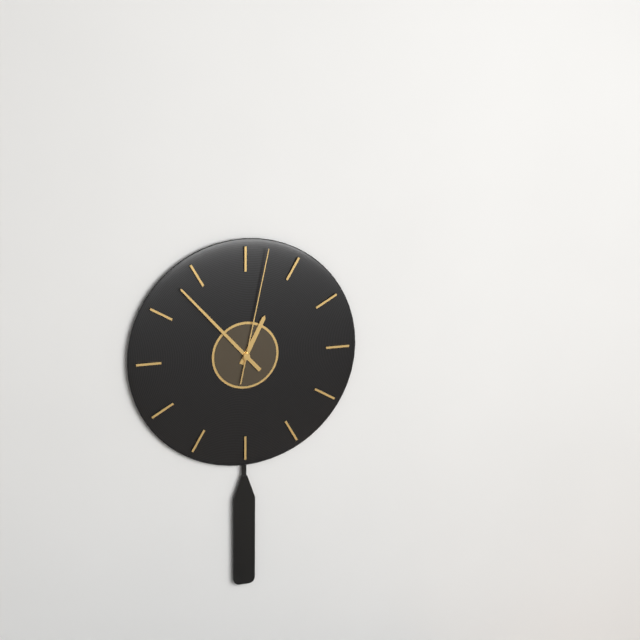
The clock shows 12h53m02s
